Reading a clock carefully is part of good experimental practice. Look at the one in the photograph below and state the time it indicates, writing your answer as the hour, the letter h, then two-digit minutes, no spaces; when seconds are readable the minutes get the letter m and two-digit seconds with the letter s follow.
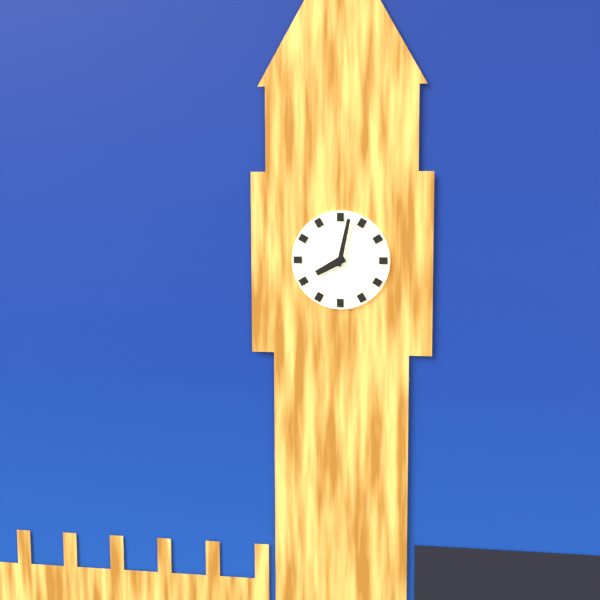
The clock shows 8h02
